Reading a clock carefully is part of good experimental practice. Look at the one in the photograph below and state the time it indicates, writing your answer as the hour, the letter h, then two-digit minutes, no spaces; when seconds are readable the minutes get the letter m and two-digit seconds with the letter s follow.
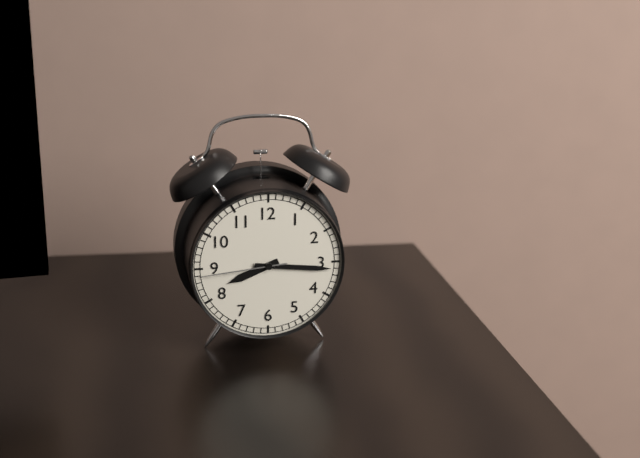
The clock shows 8h16m44s
